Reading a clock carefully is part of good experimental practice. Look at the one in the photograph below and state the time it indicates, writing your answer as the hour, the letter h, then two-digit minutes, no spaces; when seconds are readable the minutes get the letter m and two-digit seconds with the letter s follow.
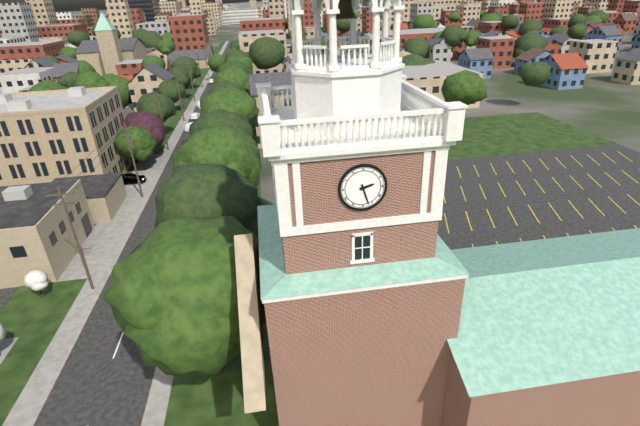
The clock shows 2h27
